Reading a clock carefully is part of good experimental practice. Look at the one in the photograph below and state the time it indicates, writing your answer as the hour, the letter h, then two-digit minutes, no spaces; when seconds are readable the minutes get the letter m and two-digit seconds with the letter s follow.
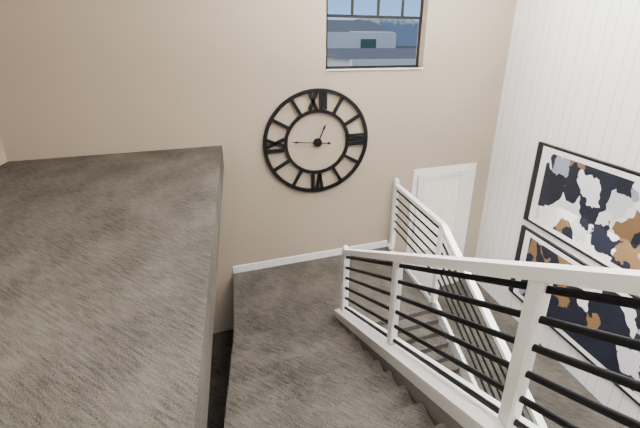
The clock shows 12h46
